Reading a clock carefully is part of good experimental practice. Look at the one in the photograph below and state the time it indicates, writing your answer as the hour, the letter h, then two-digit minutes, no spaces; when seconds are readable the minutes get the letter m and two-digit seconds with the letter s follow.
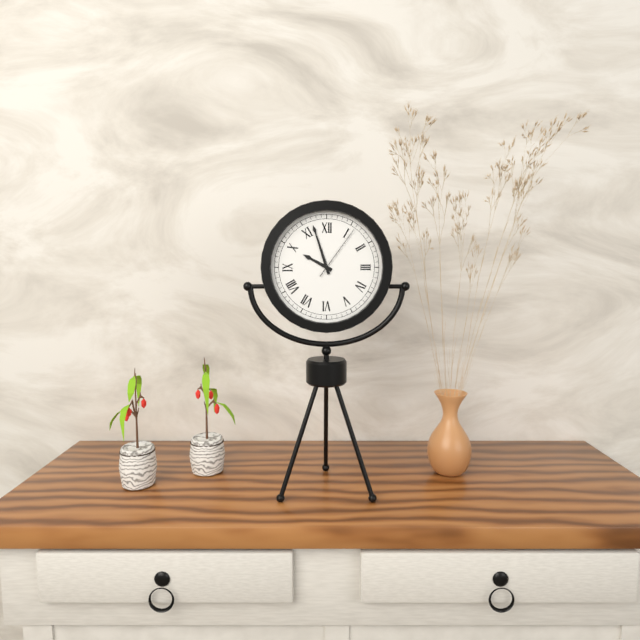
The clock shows 9h57m06s
